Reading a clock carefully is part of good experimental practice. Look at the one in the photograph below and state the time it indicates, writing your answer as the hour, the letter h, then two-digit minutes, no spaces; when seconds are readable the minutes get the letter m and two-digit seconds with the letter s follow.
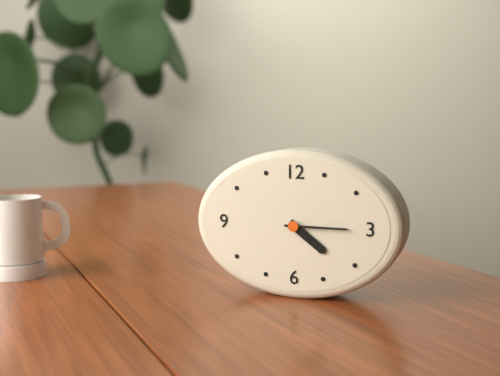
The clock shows 4h15
